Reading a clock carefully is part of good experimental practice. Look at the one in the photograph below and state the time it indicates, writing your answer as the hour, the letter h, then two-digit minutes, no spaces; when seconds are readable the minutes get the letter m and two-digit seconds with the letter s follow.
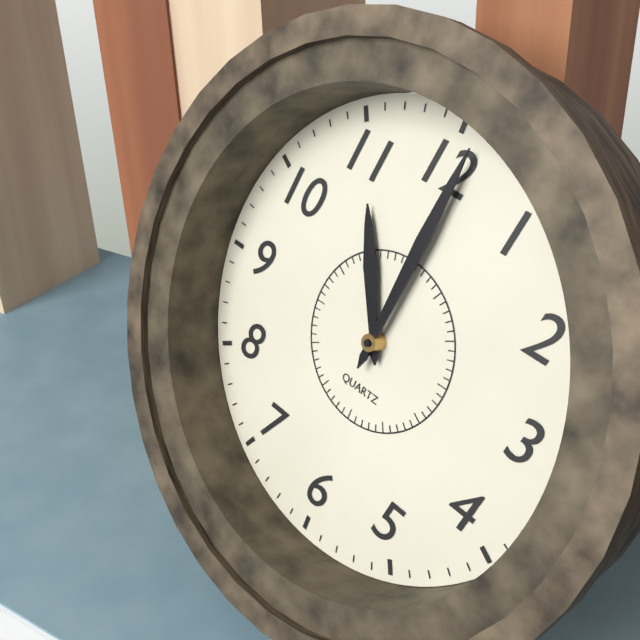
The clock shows 11h01
